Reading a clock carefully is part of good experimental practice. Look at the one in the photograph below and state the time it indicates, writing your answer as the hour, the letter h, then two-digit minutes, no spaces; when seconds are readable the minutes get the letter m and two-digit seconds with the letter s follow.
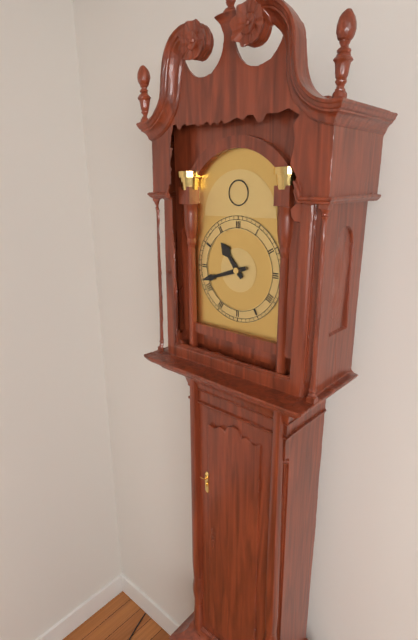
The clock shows 10h42
